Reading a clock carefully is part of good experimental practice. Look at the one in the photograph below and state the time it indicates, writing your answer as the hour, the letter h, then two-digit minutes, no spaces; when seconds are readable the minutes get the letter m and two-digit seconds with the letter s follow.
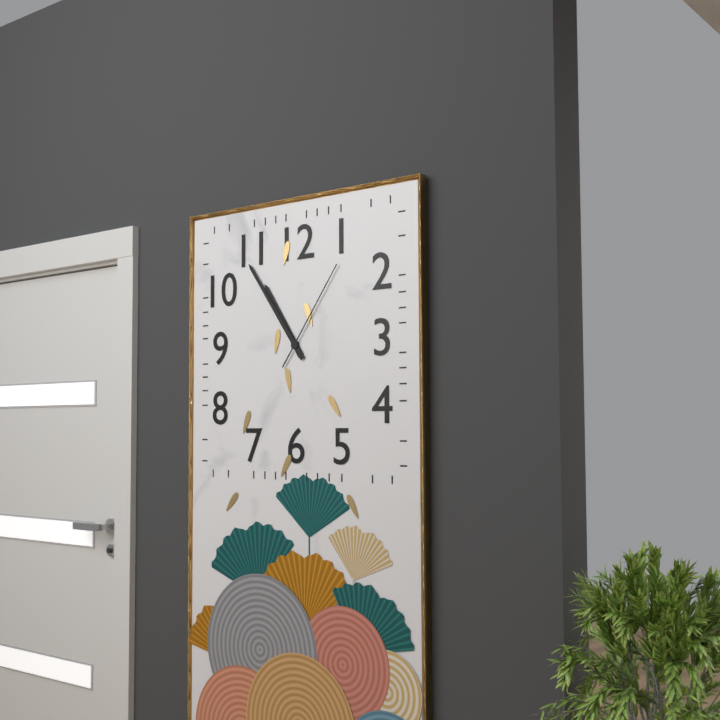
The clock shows 10h54m06s
